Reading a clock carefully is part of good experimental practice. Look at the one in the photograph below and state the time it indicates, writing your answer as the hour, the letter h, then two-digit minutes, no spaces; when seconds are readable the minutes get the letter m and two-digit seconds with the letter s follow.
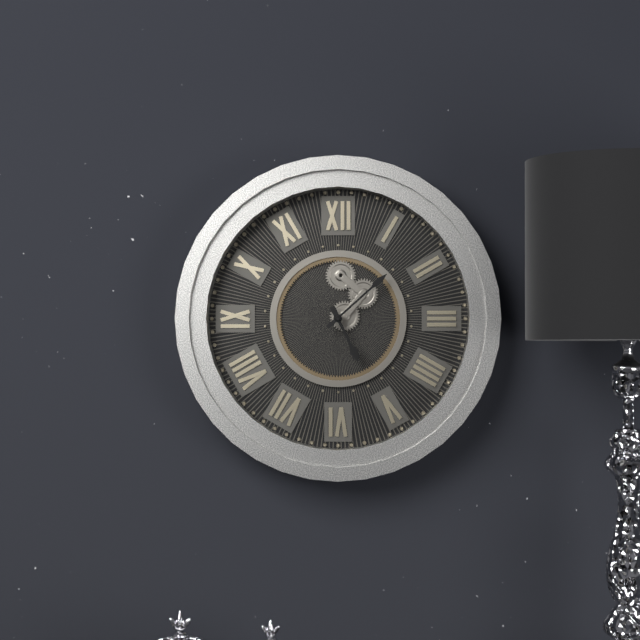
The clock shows 5h08
